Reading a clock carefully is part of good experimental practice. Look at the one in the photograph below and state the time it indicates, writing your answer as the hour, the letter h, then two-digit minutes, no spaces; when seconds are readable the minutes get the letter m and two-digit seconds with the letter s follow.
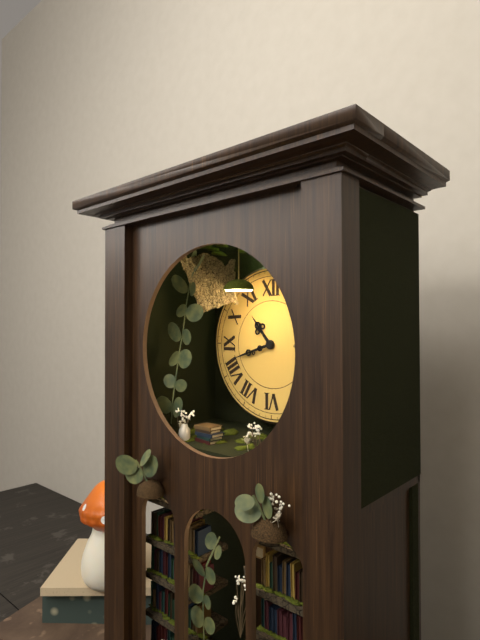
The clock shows 10h42
